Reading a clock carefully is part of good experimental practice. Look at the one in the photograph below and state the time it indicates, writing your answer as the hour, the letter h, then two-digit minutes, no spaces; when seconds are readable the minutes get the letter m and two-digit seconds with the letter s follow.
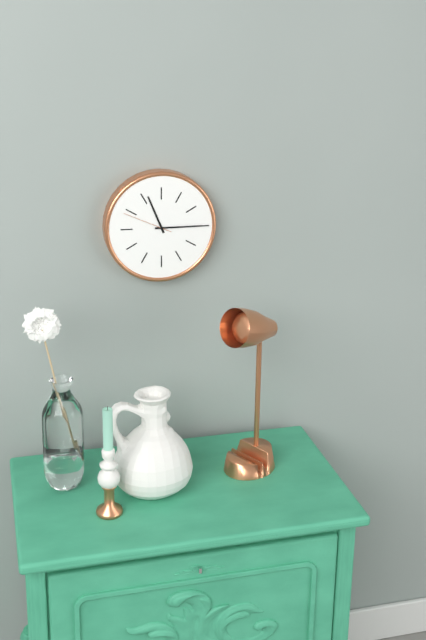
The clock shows 11h15
